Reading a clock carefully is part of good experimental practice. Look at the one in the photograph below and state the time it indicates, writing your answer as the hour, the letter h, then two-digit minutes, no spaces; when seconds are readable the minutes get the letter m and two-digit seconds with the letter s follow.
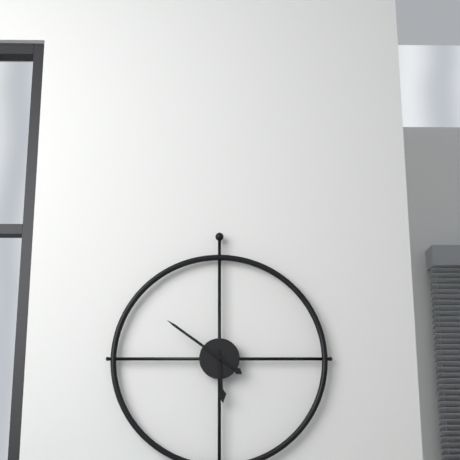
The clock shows 5h51
